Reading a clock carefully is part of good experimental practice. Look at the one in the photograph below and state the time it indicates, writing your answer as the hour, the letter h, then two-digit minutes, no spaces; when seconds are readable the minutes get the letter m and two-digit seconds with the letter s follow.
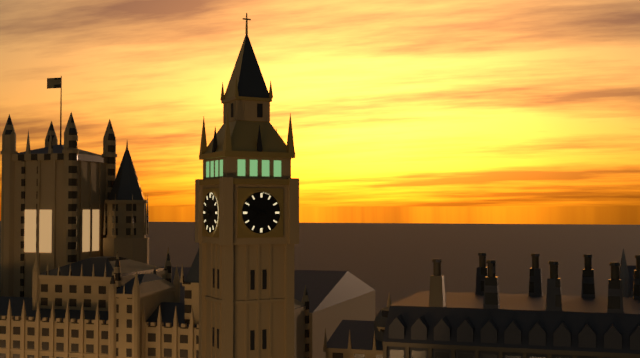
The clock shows 7h49
